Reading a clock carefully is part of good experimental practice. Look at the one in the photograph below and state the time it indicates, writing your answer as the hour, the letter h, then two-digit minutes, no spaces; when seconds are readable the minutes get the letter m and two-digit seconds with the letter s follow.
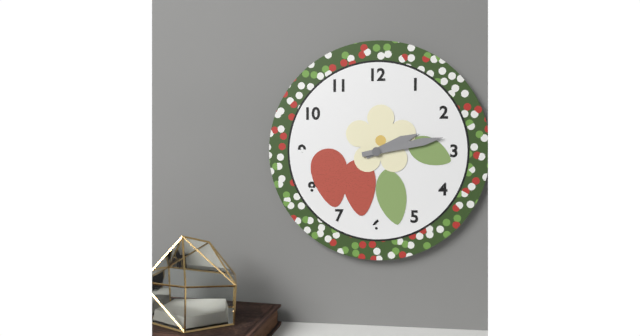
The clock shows 2h13
